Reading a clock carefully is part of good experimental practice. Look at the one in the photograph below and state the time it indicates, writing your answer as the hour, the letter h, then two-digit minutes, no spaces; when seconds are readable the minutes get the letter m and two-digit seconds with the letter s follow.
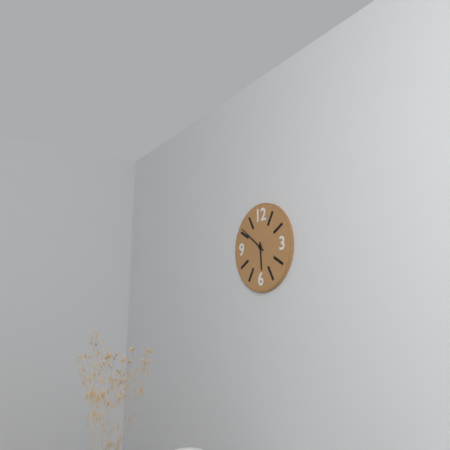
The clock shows 5h51
